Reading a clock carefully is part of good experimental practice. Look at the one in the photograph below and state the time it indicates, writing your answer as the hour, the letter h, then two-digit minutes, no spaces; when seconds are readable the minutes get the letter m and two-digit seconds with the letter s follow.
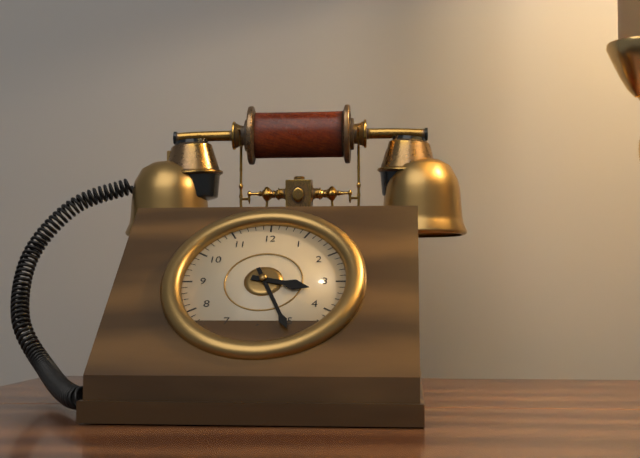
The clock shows 3h26
